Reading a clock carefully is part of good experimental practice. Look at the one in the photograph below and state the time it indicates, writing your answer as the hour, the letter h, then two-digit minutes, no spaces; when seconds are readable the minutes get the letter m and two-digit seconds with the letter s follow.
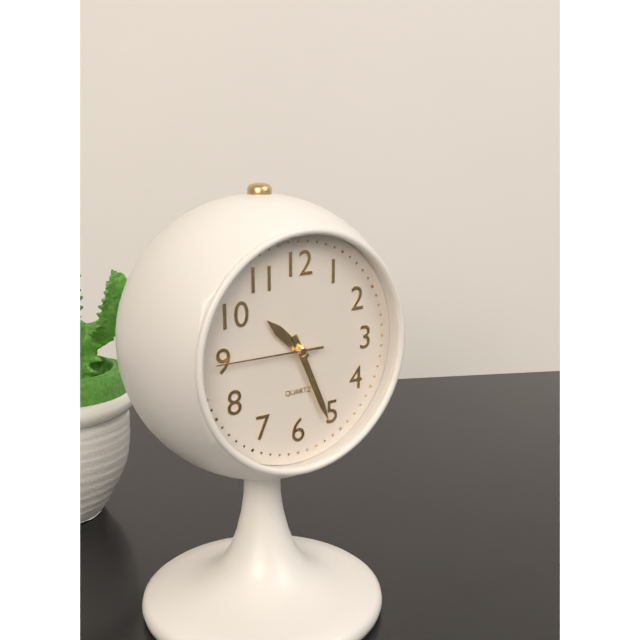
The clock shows 10h26m45s
